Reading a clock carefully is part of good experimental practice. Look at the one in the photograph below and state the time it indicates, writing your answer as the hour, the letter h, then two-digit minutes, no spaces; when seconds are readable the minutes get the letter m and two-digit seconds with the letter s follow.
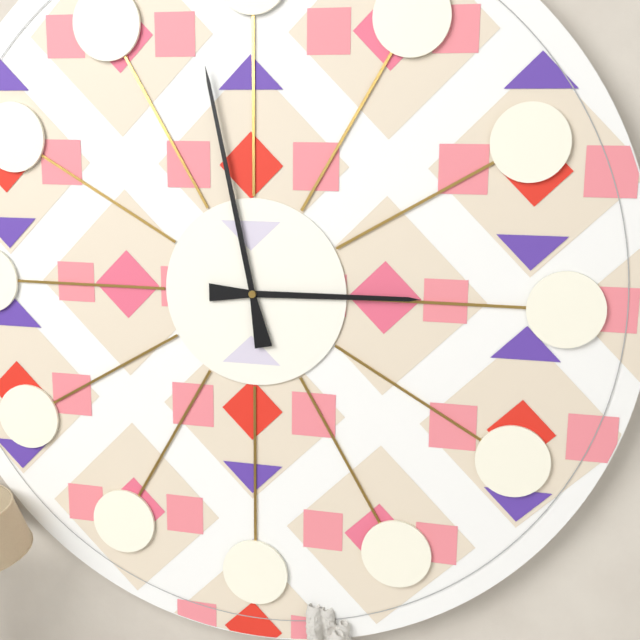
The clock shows 2h58
